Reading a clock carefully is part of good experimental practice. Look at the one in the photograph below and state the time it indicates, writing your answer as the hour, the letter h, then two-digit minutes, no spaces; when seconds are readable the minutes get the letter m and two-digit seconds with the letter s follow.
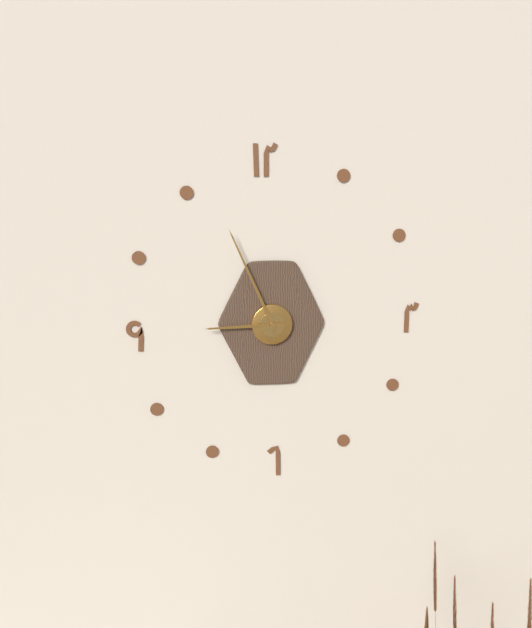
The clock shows 8h56
